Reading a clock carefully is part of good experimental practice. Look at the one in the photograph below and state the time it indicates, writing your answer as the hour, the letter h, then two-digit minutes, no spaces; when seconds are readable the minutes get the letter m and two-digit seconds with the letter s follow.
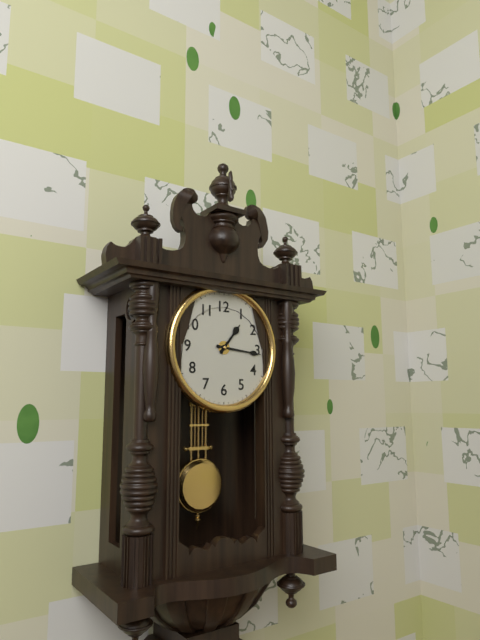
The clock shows 1h16
